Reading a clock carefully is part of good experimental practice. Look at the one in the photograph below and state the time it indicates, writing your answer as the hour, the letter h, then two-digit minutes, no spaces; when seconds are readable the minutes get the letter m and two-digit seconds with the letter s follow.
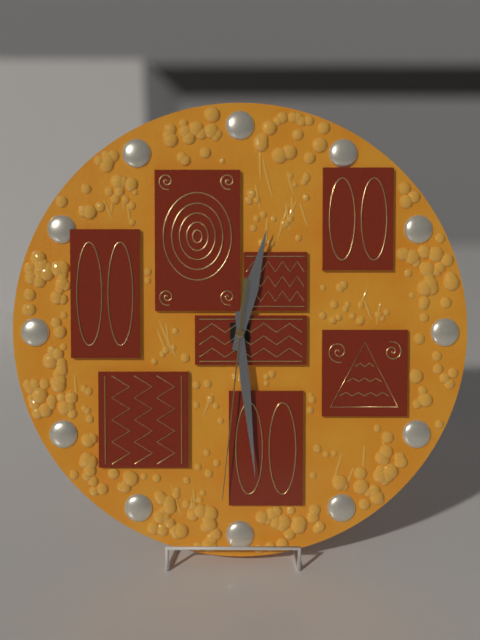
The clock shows 12h29m31s
